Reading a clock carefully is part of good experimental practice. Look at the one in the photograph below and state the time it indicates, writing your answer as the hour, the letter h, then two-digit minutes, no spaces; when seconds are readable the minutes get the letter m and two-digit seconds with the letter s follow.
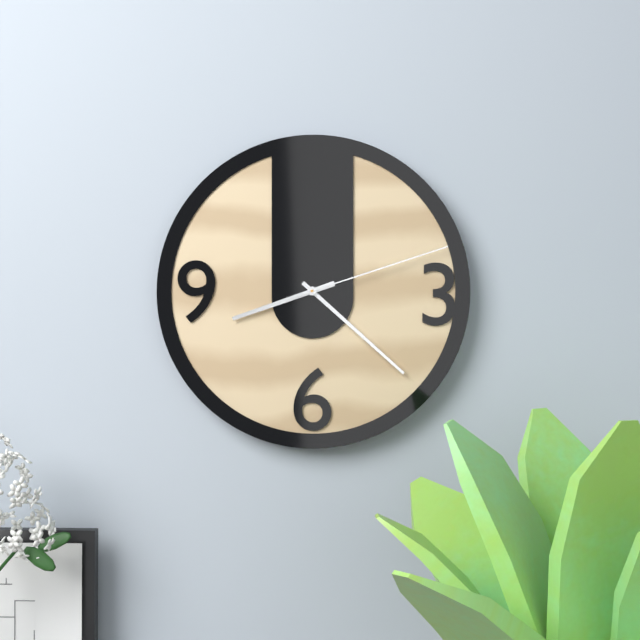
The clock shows 8h22m12s
